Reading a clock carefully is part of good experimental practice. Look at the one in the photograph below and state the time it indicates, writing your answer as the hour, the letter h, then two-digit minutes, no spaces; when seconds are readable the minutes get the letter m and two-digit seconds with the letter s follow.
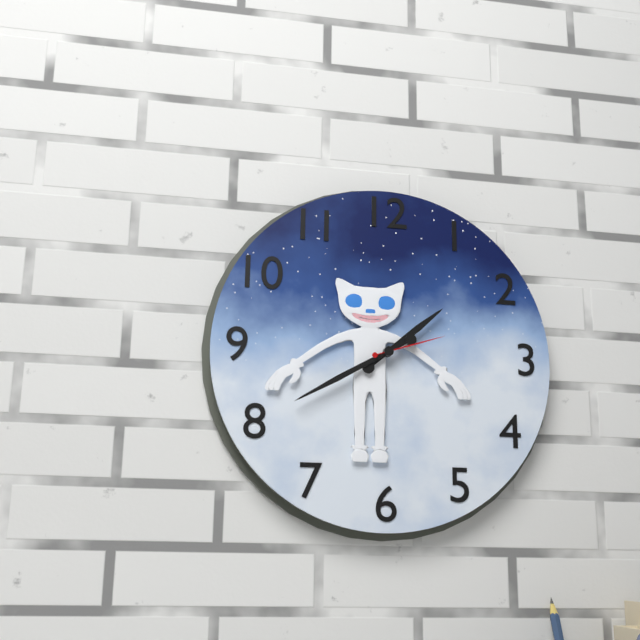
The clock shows 1h40m12s
